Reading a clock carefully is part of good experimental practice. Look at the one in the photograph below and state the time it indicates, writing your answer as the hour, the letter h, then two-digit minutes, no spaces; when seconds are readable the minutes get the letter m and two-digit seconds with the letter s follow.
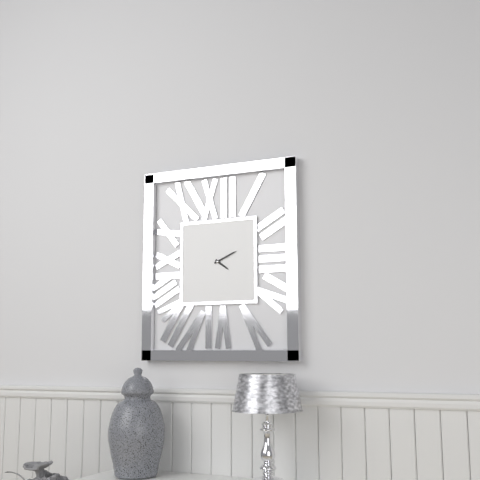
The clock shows 4h11
